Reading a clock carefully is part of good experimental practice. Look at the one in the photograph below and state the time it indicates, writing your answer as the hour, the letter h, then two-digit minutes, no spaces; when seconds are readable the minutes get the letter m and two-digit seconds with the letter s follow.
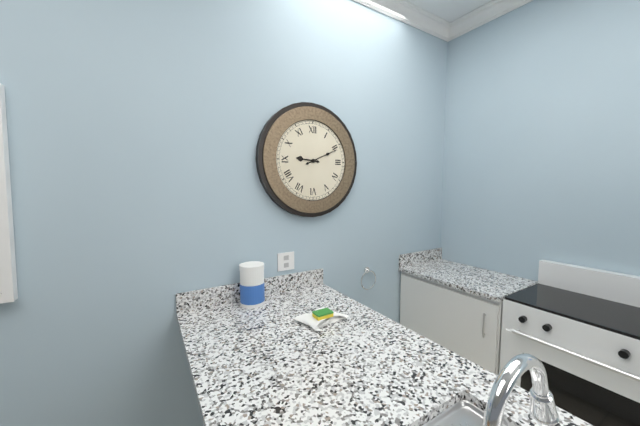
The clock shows 9h11
